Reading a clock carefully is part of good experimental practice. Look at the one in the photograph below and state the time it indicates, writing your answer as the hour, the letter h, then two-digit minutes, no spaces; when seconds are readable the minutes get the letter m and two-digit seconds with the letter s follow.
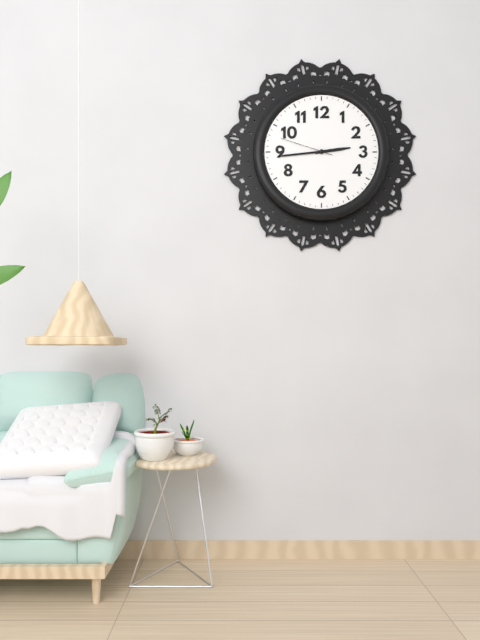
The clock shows 2h44m48s
